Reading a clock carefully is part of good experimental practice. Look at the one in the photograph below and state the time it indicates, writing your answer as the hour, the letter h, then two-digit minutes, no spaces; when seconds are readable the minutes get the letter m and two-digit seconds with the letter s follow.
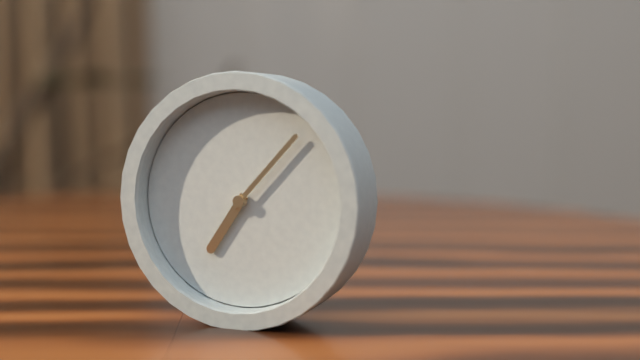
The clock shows 7h07
